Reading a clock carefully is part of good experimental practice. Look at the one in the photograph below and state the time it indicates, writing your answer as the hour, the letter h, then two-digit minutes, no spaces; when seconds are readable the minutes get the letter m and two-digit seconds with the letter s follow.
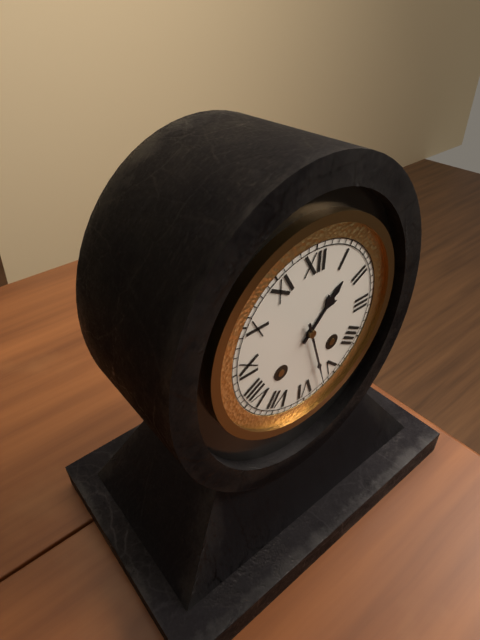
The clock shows 1h27
